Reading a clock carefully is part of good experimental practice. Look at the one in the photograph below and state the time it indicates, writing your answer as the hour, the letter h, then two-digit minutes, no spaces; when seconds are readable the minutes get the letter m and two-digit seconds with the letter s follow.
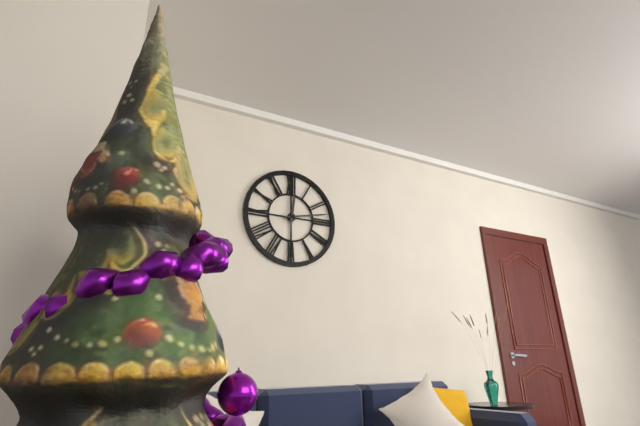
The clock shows 12h13
